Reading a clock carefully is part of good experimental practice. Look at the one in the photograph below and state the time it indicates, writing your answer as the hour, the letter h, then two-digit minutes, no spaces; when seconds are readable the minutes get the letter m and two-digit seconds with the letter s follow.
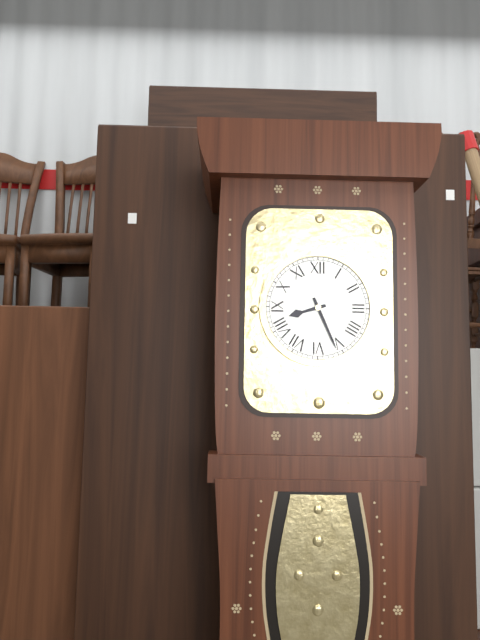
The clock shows 8h26
